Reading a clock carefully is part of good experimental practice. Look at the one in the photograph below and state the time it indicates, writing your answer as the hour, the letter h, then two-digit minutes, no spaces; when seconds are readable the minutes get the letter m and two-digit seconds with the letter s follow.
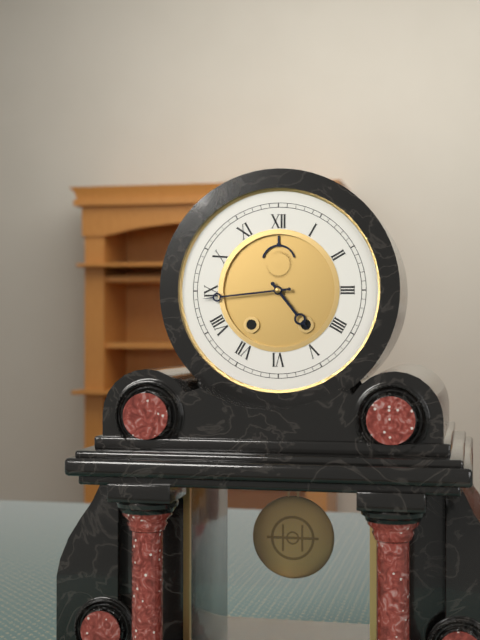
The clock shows 4h44
